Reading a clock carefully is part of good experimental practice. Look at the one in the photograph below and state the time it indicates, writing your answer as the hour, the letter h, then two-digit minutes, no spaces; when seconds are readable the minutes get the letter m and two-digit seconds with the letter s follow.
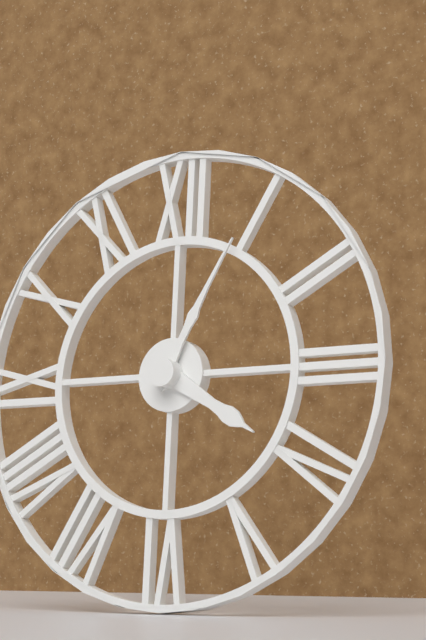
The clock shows 4h04
